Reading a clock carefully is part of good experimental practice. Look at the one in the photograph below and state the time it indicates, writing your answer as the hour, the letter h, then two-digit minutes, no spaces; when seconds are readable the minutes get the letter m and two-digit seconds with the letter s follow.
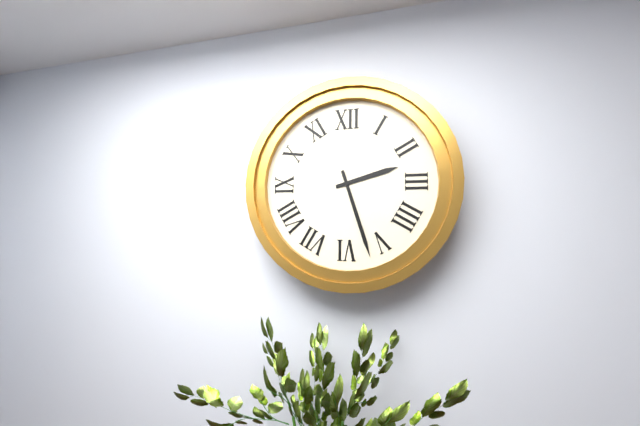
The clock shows 2h27
